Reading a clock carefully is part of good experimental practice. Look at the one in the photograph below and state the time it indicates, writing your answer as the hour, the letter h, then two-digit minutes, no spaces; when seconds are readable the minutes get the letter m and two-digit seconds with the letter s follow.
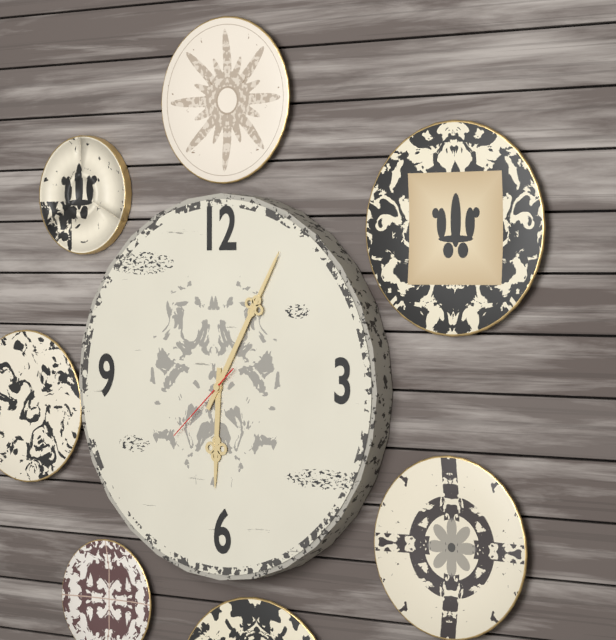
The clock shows 6h05m38s
